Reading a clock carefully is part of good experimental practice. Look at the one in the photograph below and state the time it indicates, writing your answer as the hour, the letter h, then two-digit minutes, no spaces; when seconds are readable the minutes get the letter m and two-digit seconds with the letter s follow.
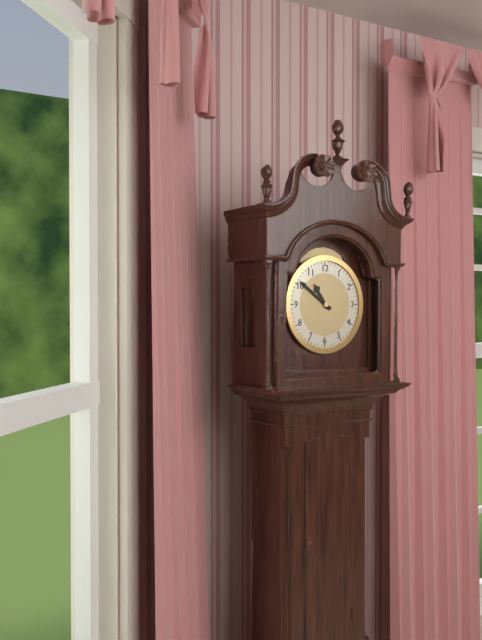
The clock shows 10h51
